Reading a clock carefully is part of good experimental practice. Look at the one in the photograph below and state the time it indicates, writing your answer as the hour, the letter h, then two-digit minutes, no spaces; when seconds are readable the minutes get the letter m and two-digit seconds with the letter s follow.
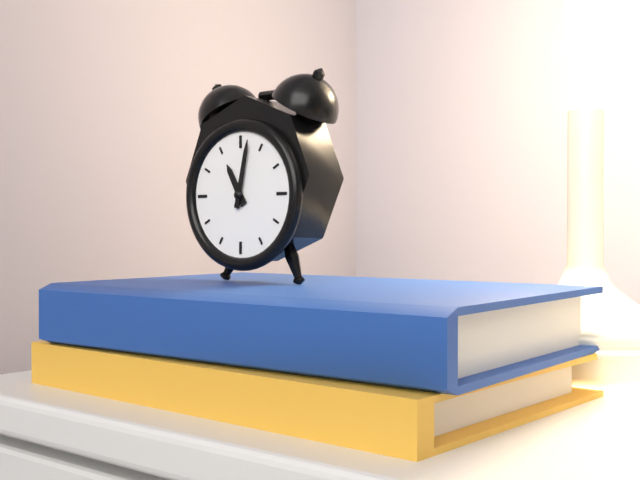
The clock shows 11h02
